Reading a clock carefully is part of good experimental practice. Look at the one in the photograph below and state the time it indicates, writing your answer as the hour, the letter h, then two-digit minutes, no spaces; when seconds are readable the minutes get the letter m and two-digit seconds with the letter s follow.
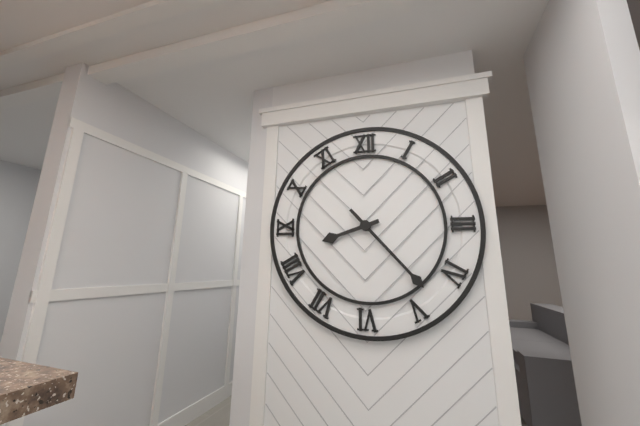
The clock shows 8h23
